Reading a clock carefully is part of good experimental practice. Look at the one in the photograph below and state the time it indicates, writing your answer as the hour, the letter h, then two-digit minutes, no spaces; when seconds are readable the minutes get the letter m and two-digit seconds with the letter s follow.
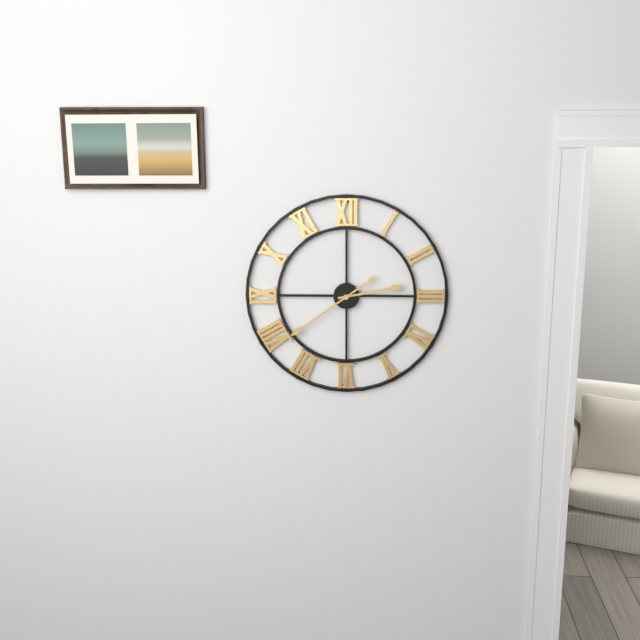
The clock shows 2h39
